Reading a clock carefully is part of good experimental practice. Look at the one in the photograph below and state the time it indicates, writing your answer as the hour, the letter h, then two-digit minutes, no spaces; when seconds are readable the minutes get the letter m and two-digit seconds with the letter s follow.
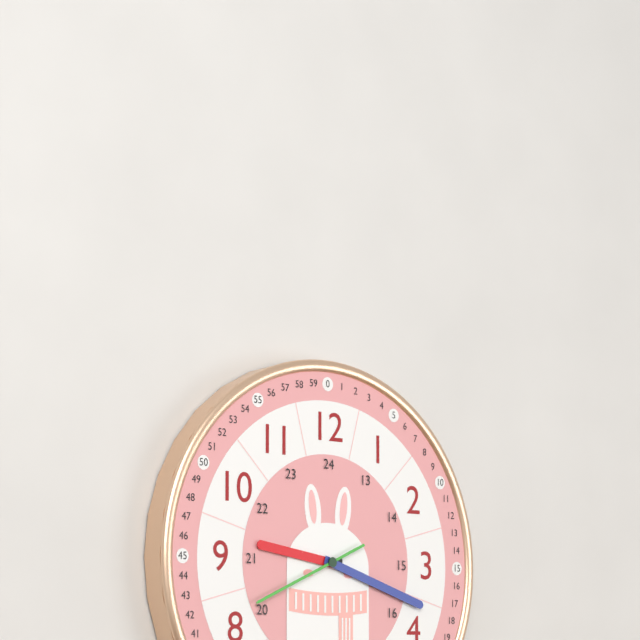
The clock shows 9h18m41s
